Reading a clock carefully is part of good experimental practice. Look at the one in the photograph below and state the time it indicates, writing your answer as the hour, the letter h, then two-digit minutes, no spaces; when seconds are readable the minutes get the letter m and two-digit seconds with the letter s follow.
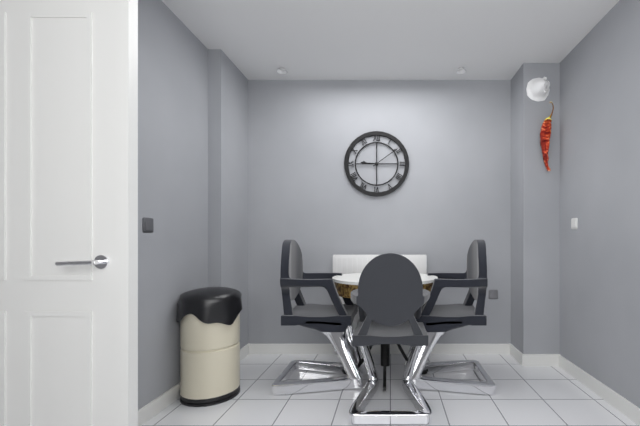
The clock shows 9h09
